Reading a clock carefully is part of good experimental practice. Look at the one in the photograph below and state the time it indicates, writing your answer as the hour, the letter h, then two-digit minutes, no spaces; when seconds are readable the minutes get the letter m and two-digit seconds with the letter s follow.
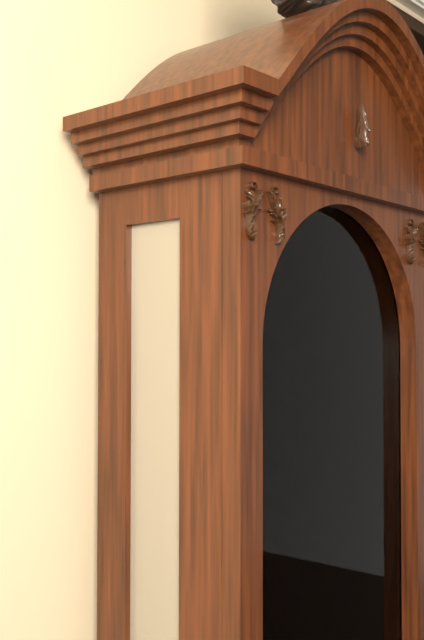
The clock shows 5h12
